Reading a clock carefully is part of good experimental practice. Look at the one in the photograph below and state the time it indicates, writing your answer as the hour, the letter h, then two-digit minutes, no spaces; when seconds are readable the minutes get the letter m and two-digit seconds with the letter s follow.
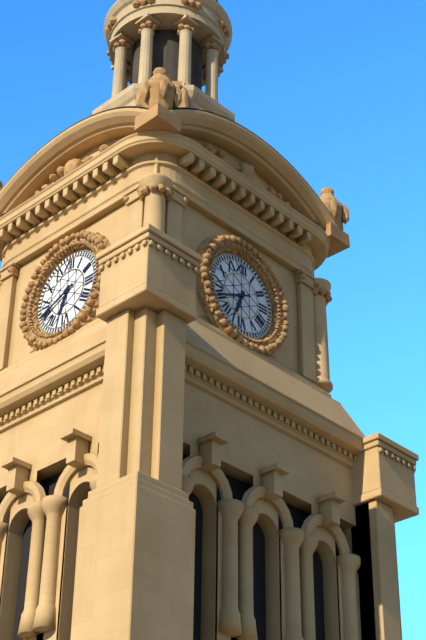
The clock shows 6h41
